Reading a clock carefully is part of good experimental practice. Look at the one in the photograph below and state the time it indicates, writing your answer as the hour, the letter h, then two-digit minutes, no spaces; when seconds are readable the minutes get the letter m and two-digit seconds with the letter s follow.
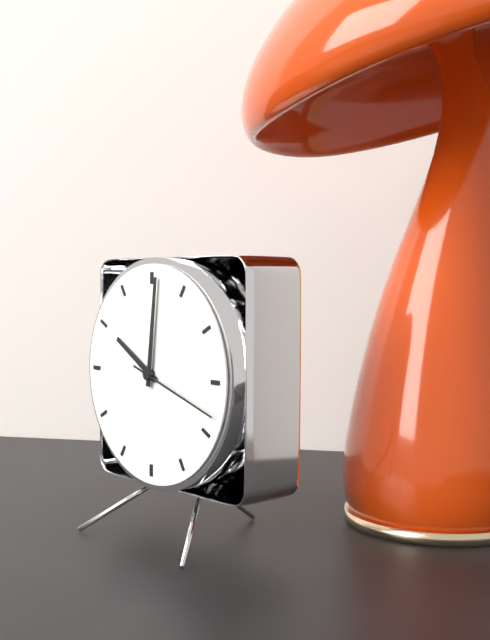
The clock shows 10h01m18s
